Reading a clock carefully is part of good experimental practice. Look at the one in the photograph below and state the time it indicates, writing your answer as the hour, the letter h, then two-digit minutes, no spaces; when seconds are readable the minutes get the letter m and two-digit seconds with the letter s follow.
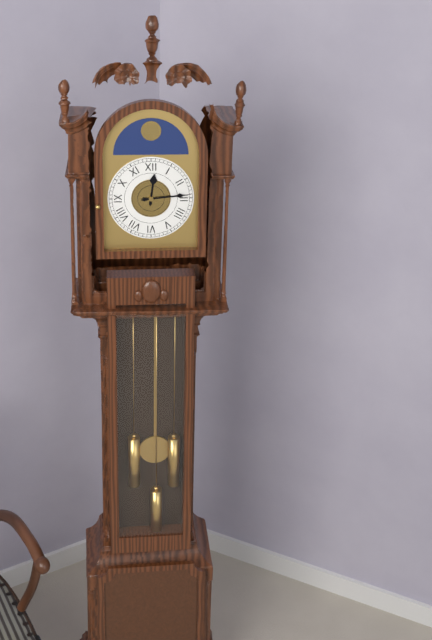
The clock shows 12h14
